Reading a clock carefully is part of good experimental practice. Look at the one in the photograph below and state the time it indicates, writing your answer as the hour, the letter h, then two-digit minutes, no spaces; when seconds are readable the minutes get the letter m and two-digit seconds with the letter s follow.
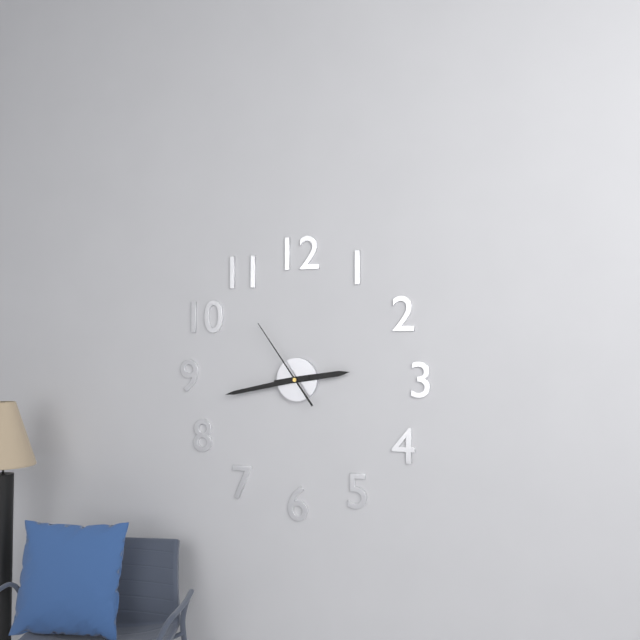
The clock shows 2h43m54s
